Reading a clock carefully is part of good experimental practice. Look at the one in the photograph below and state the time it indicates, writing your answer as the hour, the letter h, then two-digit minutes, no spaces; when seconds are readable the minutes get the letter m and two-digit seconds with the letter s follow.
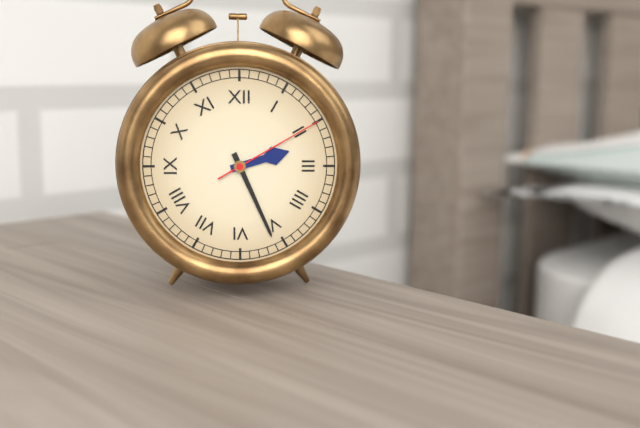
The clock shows 2h26m10s
